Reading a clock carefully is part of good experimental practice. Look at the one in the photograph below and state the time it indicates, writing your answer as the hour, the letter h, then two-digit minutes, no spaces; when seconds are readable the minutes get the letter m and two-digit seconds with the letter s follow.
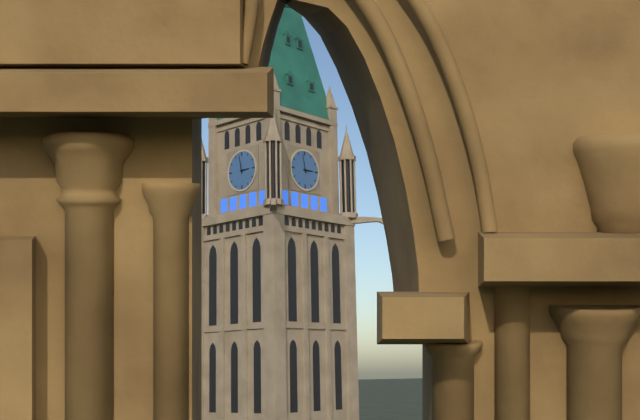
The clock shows 2h58
